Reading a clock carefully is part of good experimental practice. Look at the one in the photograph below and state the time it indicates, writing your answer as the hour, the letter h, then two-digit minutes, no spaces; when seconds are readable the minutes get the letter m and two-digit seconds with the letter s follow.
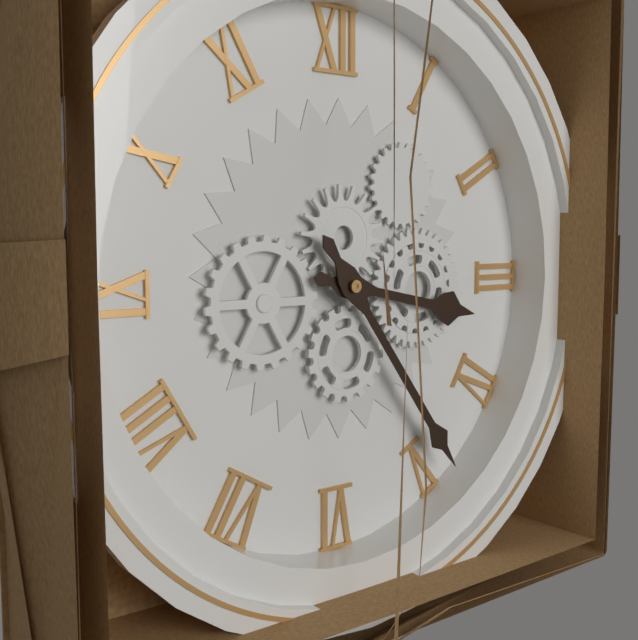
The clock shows 3h24
